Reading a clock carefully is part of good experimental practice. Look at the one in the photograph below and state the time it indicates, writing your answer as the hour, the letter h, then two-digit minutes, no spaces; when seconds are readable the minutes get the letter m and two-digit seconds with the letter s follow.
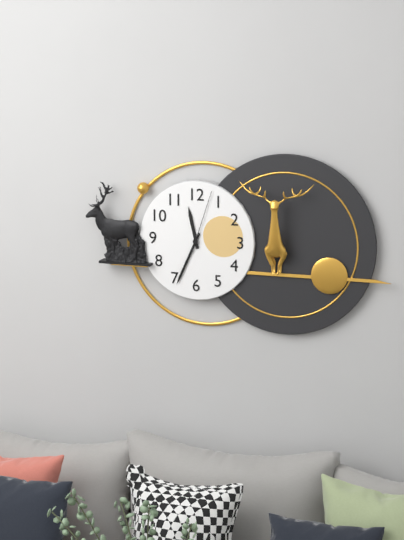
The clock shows 11h34m03s
